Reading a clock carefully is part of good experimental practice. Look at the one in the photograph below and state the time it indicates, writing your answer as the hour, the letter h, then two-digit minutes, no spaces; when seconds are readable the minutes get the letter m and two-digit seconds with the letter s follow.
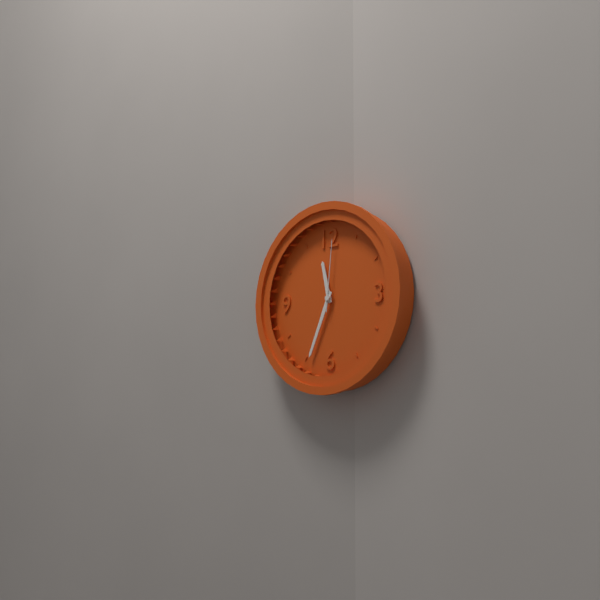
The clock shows 11h34m01s
